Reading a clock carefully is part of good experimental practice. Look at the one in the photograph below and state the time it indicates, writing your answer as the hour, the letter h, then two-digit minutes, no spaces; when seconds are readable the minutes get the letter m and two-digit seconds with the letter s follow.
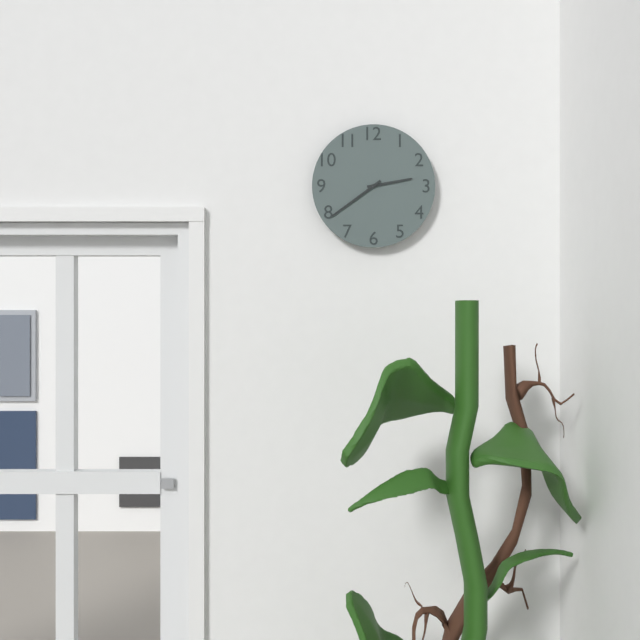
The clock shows 2h39
